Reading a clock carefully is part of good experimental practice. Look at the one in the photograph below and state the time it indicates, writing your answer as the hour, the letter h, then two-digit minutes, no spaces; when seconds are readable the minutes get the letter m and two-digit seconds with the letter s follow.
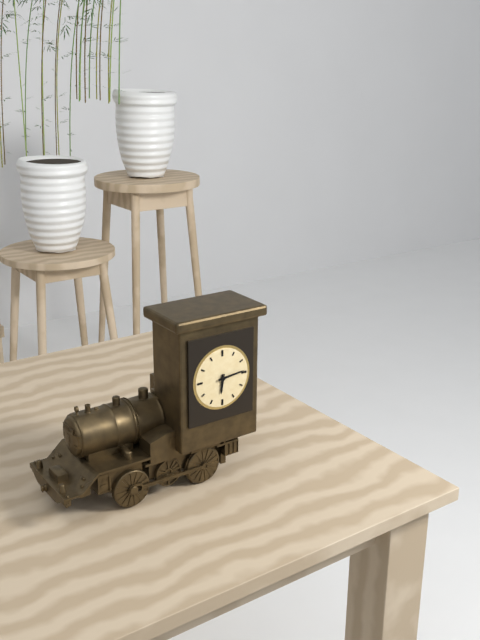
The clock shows 6h14
